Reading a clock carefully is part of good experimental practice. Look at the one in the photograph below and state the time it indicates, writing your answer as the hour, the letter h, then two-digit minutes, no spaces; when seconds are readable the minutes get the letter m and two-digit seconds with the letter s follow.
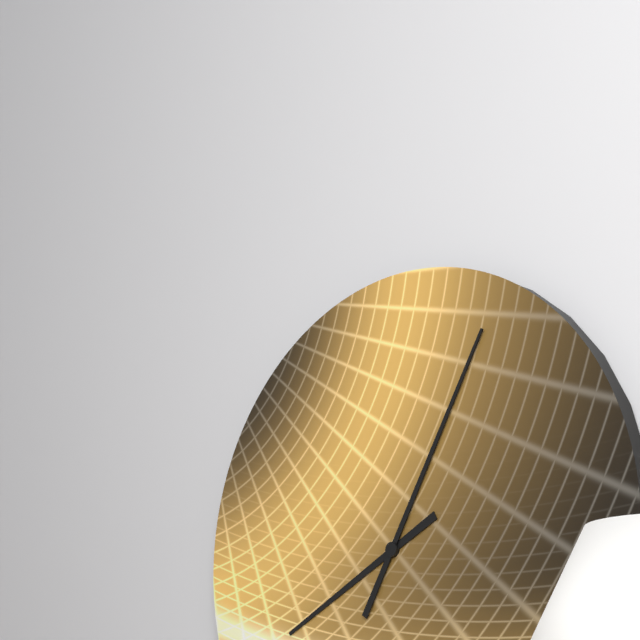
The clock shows 8h05
